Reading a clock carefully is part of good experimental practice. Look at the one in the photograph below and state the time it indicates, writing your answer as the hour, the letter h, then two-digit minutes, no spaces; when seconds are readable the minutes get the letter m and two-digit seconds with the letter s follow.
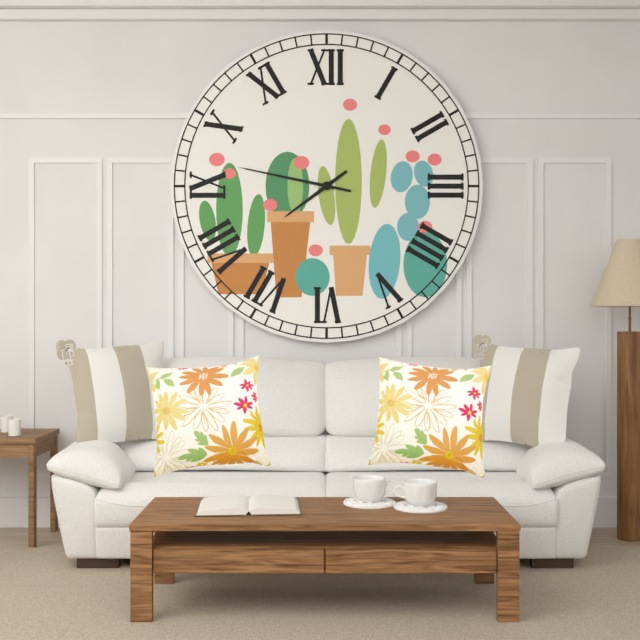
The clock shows 7h47
